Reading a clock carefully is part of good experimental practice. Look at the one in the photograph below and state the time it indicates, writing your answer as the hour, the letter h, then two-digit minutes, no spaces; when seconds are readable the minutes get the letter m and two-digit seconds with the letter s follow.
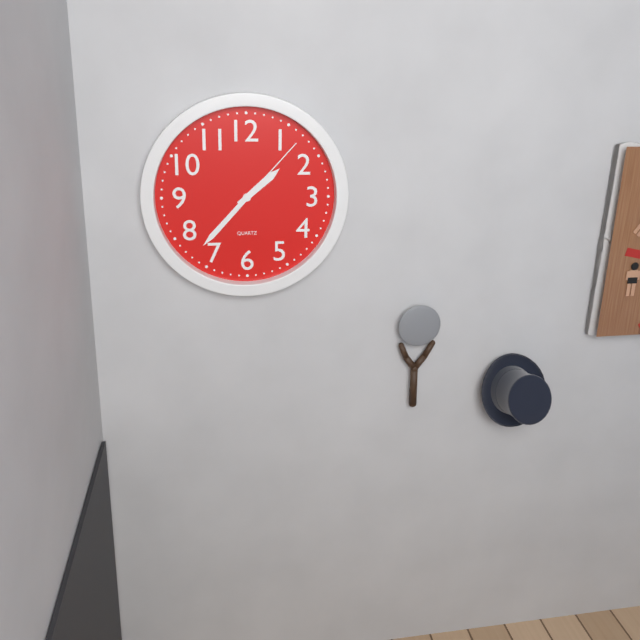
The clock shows 1h37m07s
